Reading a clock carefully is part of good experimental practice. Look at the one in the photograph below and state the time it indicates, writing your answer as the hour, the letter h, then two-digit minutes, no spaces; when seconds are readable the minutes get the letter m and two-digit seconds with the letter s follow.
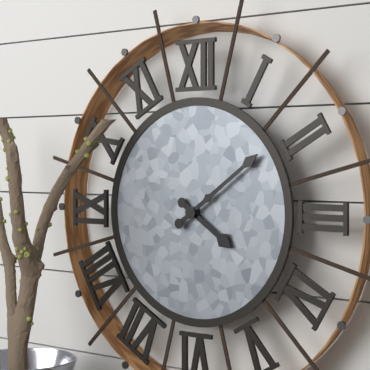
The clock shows 4h09
